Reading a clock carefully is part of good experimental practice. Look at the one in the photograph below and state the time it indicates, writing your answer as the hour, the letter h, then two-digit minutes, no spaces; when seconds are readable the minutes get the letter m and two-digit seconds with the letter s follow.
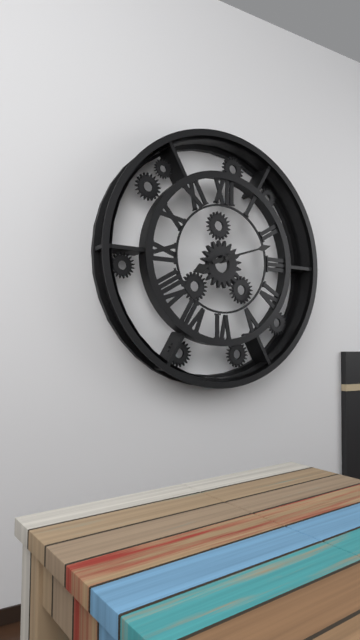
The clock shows 8h12
